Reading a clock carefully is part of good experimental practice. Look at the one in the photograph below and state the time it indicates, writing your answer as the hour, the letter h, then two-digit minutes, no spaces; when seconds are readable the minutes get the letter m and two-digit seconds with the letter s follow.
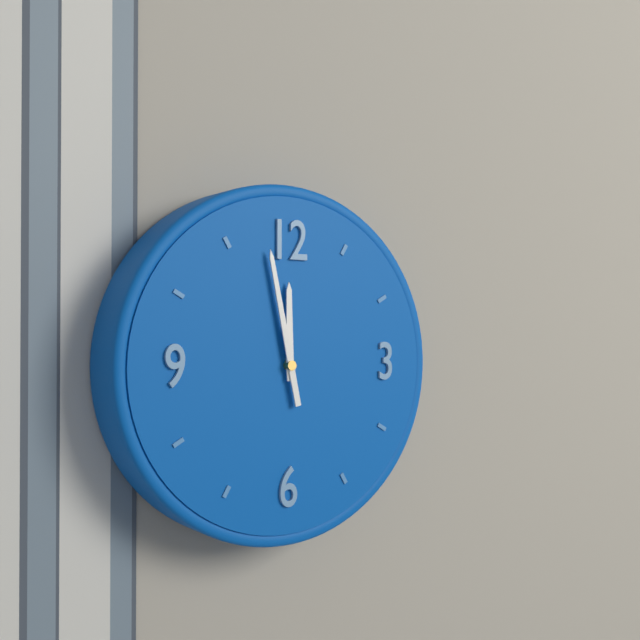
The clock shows 11h58
